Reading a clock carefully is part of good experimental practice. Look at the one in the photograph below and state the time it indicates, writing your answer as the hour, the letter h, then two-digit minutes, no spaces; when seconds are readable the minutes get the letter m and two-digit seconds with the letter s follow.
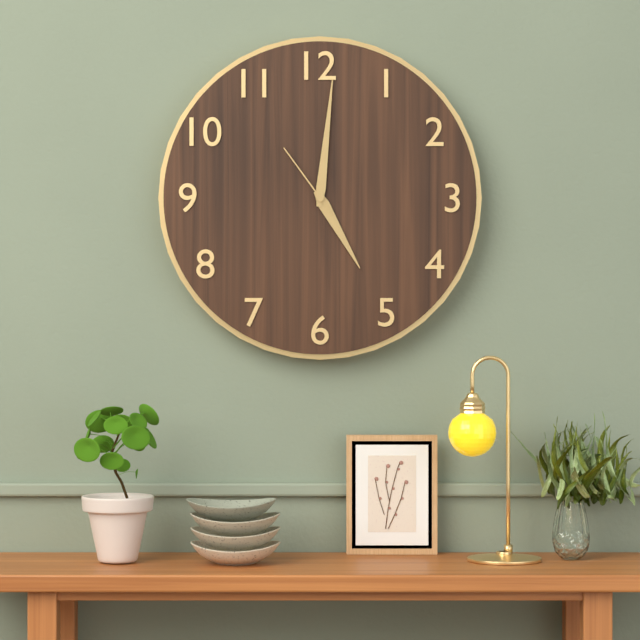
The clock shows 5h01m54s
